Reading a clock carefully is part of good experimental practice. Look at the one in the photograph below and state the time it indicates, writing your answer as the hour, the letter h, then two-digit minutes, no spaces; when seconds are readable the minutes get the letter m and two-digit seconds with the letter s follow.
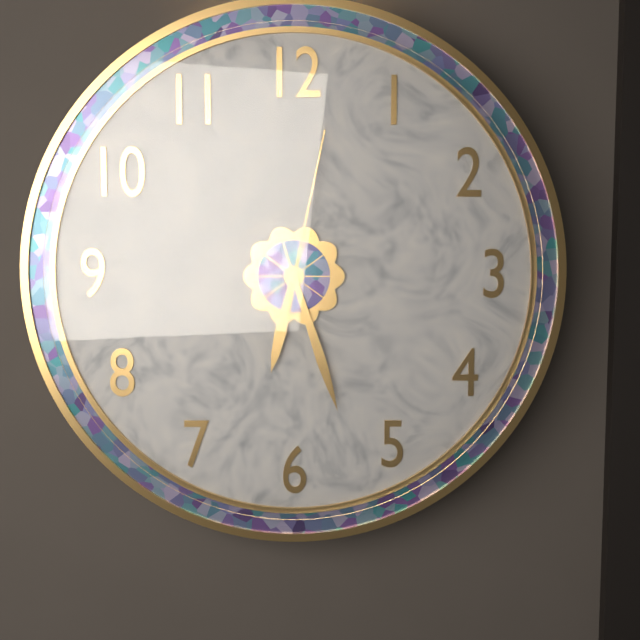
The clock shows 6h27m02s
